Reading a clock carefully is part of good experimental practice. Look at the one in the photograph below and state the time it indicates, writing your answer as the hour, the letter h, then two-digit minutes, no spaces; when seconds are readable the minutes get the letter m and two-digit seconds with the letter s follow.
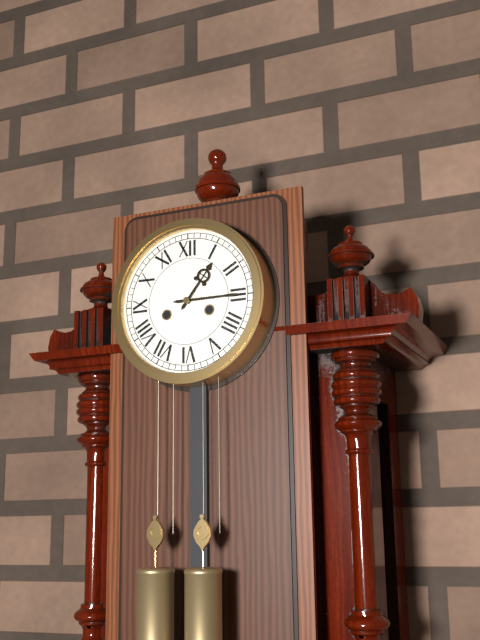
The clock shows 1h15
